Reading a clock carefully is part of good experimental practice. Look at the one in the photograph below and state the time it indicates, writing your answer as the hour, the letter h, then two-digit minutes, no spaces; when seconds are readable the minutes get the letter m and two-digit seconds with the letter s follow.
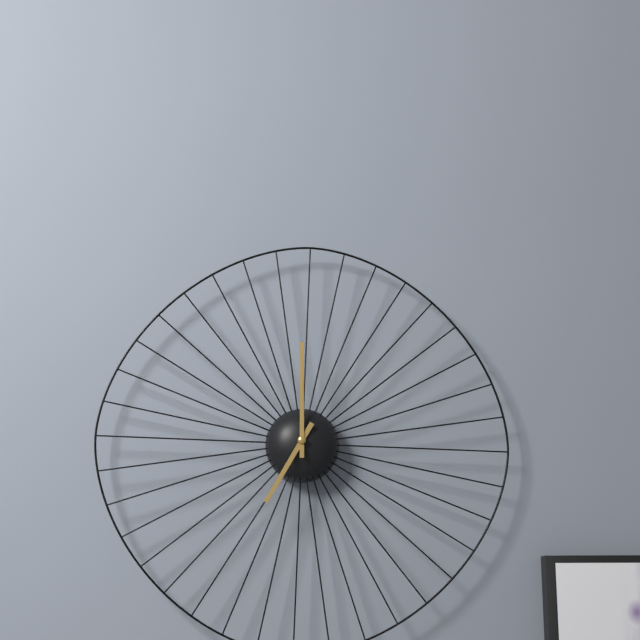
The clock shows 7h00
